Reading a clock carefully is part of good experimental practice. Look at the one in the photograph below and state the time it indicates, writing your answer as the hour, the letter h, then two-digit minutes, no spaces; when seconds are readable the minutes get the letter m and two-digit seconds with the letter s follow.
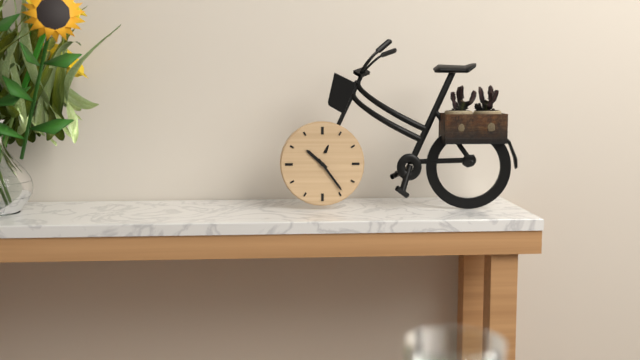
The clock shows 10h24
